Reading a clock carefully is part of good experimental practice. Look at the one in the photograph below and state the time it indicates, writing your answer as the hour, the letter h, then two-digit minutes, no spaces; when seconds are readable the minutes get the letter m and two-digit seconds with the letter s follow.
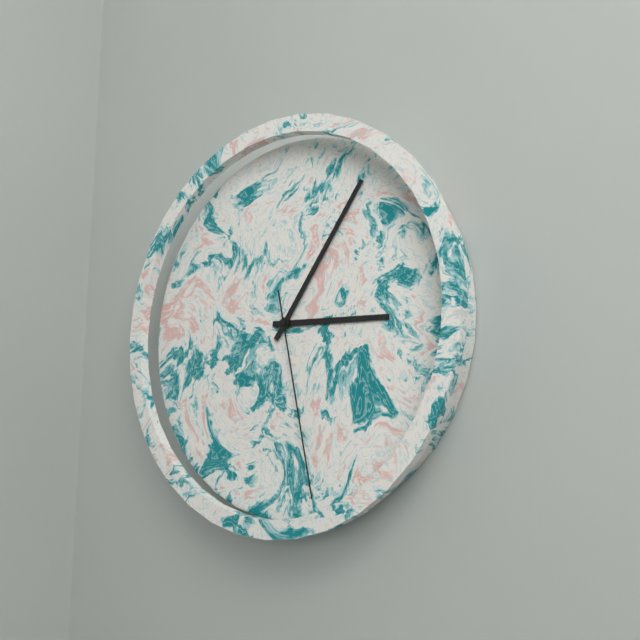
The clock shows 3h06m28s
